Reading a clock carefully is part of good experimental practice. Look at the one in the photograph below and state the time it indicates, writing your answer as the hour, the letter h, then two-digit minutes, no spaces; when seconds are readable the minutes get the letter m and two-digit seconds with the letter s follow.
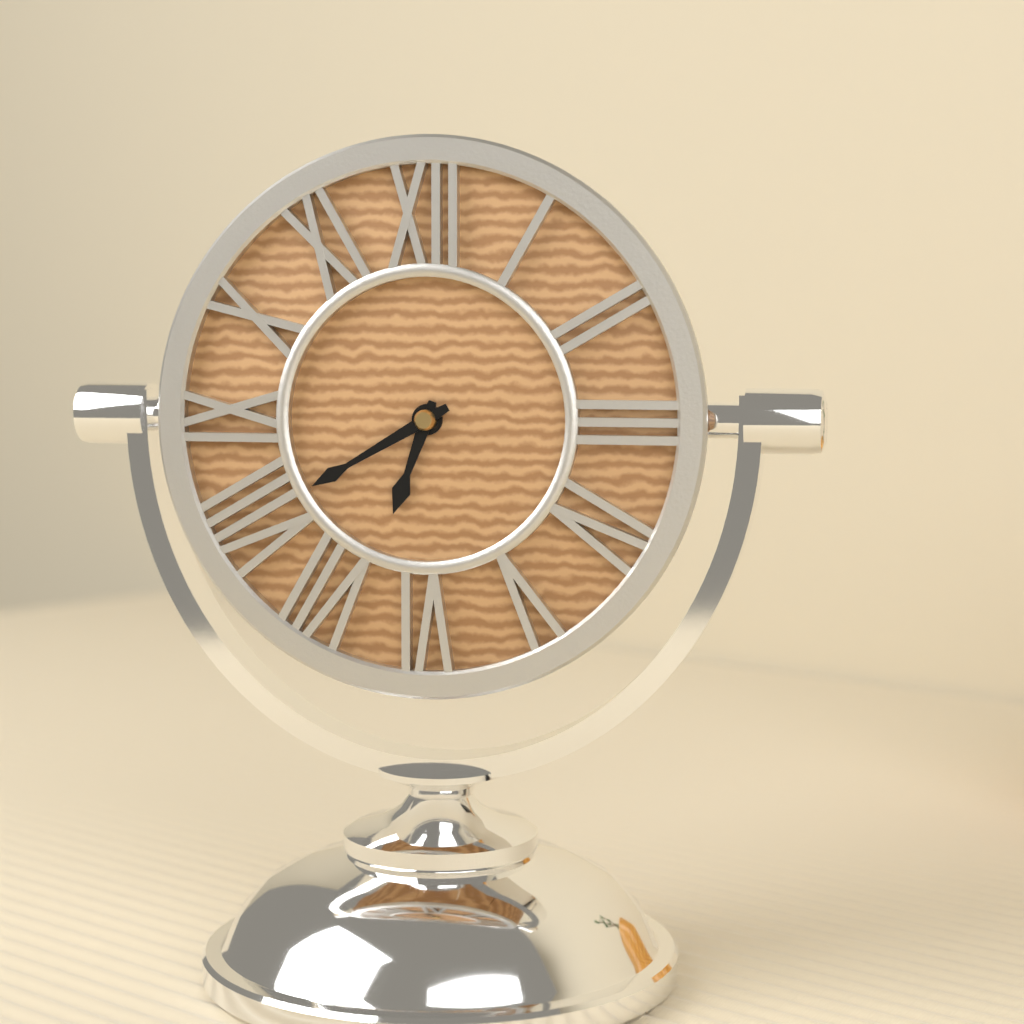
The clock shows 6h40
